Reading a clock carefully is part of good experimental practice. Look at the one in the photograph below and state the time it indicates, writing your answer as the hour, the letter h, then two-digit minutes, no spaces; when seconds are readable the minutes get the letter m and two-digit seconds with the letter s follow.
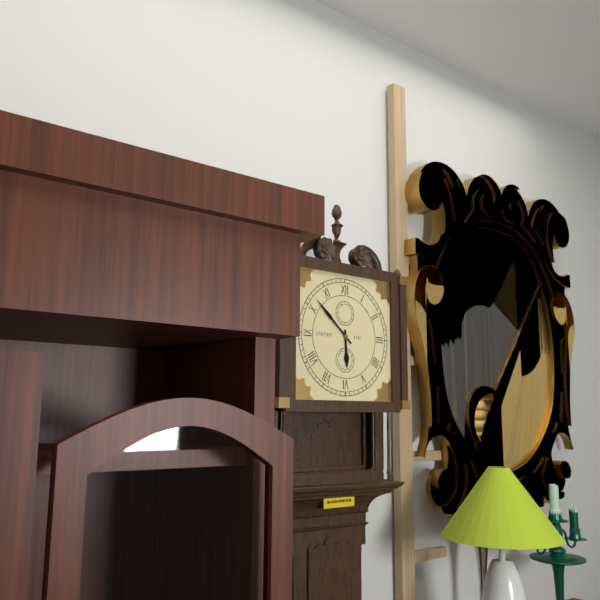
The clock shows 5h52
